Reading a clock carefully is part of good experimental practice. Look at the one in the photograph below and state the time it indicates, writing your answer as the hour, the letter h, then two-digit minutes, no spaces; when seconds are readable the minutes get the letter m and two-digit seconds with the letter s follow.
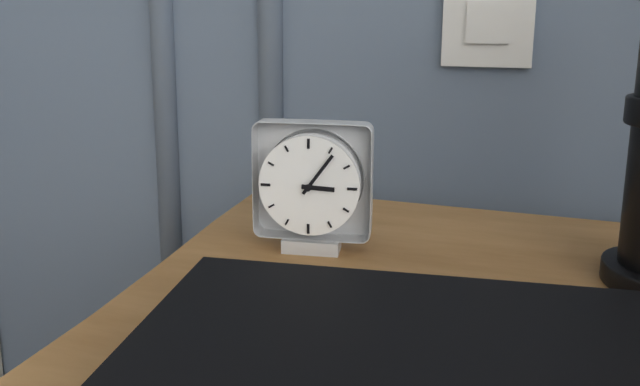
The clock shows 3h06
